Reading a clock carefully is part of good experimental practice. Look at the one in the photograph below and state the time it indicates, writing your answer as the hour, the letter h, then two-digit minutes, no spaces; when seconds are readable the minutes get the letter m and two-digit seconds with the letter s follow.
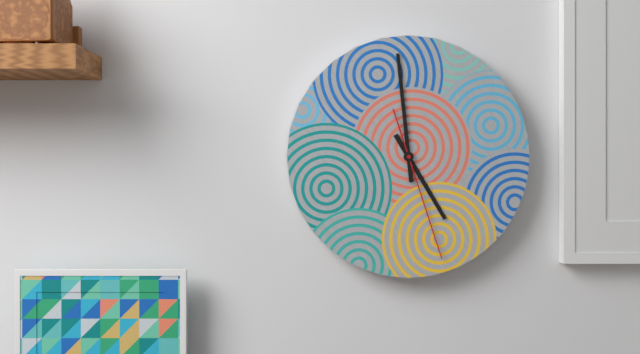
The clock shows 4h59m27s
